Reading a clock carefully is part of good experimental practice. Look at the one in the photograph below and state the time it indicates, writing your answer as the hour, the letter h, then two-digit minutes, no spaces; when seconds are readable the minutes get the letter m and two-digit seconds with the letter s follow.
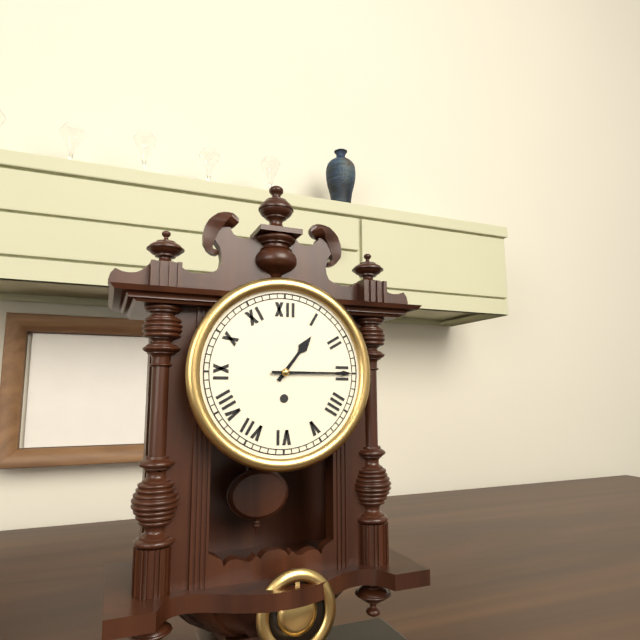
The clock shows 1h15
